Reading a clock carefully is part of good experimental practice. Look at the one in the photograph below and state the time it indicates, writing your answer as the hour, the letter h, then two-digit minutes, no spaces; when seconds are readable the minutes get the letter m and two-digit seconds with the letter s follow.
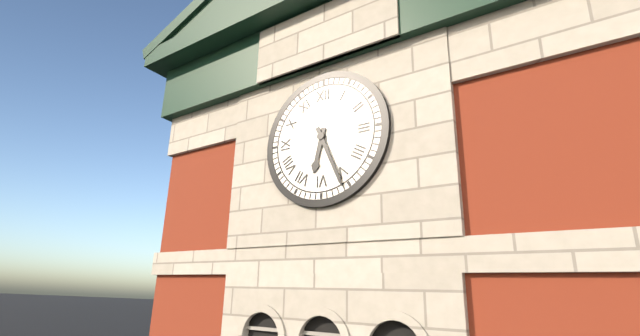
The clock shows 6h26
